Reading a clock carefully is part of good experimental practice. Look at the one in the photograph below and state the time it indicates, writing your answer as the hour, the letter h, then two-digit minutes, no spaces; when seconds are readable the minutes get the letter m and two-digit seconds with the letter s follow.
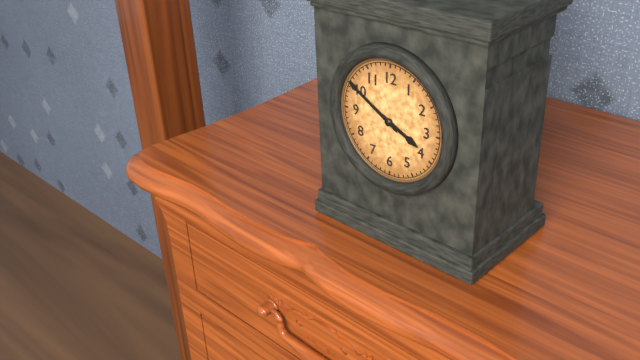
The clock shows 3h50
